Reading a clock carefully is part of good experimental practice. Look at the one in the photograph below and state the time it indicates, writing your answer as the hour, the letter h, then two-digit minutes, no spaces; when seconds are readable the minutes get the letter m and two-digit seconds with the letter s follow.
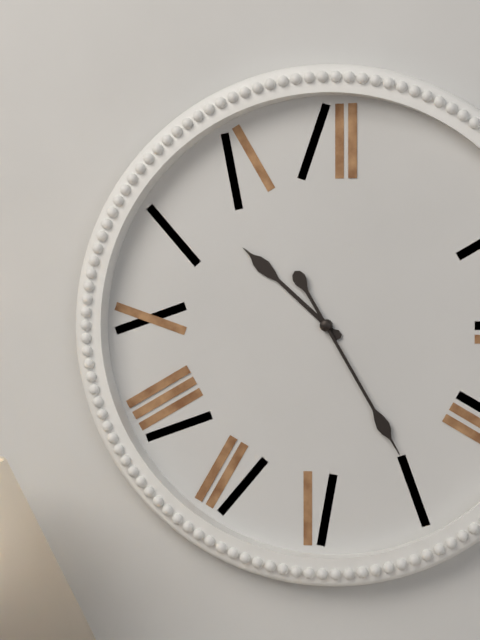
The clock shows 10h25
